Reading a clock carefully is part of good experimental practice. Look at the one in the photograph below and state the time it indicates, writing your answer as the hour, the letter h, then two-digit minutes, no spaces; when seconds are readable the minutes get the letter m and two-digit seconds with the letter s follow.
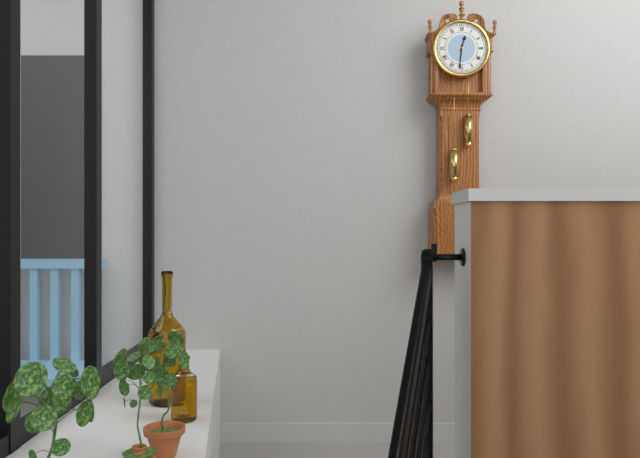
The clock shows 12h31
